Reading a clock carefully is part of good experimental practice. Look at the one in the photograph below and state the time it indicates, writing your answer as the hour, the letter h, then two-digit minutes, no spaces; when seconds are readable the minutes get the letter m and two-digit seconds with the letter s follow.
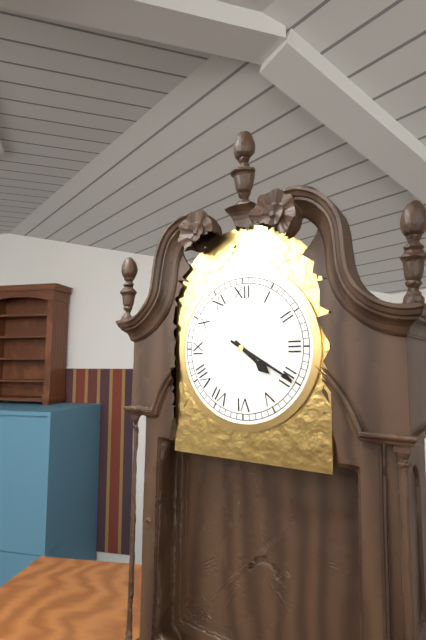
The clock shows 4h20
